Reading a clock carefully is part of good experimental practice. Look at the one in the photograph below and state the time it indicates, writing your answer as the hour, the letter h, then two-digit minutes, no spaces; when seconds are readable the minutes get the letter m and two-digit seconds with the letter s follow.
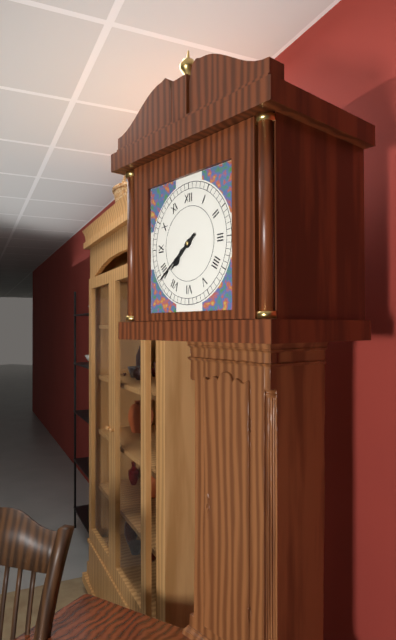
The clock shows 7h39
